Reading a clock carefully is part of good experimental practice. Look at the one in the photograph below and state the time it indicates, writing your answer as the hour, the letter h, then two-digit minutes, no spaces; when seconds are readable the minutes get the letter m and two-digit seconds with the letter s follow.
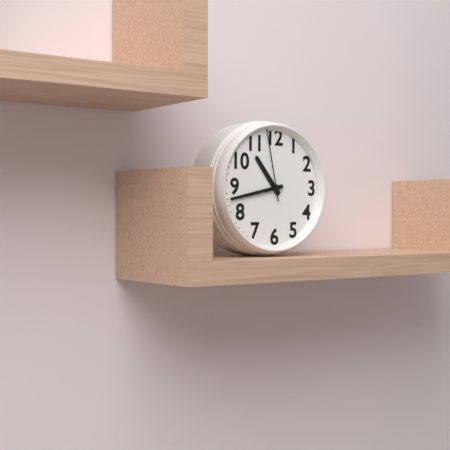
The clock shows 10h43m58s
